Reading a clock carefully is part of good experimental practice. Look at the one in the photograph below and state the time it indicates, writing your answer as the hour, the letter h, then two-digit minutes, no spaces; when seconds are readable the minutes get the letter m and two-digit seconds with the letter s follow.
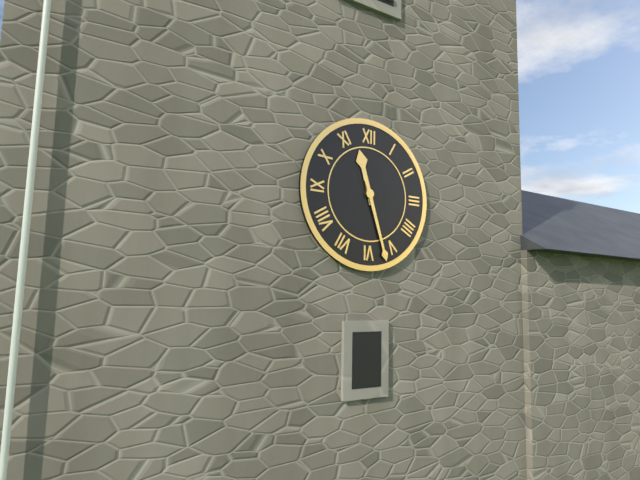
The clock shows 11h27
